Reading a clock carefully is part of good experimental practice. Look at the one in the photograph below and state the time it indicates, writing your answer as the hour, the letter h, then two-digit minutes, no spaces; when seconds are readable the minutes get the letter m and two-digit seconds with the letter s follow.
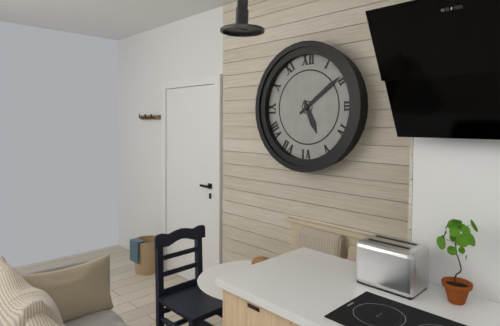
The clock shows 5h09
